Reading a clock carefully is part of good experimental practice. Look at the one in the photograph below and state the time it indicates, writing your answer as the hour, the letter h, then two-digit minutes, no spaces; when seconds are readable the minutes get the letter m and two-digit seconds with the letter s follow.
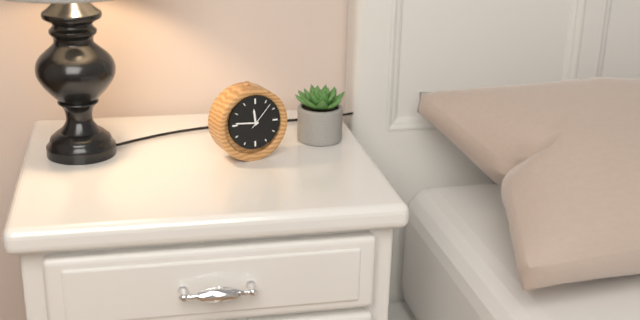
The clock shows 11h46
